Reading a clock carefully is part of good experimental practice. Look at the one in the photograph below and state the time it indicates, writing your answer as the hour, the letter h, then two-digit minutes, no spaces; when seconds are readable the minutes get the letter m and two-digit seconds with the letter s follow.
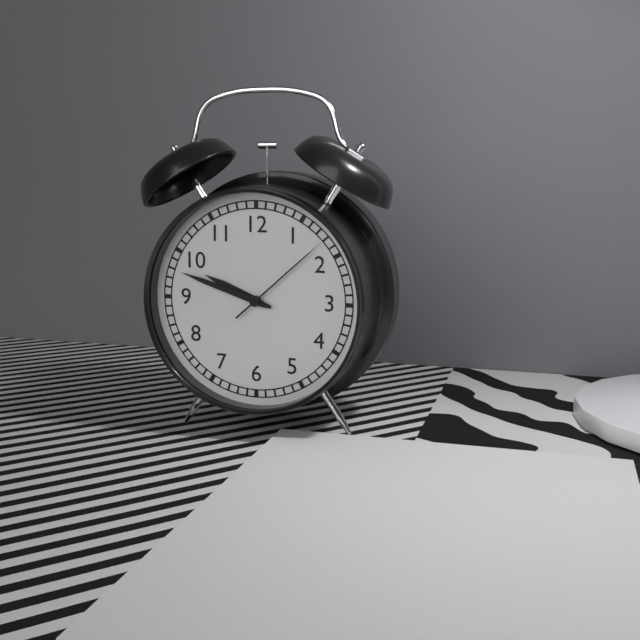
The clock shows 9h48m08s
